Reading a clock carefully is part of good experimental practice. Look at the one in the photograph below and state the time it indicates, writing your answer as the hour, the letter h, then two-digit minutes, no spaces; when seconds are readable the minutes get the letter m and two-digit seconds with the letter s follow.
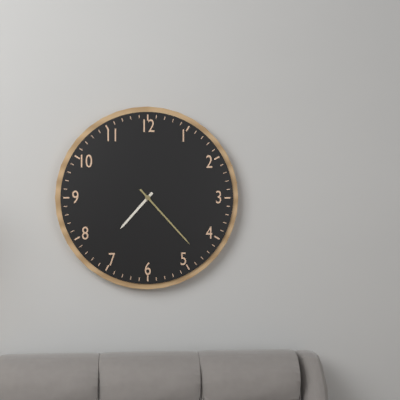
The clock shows 7h23
